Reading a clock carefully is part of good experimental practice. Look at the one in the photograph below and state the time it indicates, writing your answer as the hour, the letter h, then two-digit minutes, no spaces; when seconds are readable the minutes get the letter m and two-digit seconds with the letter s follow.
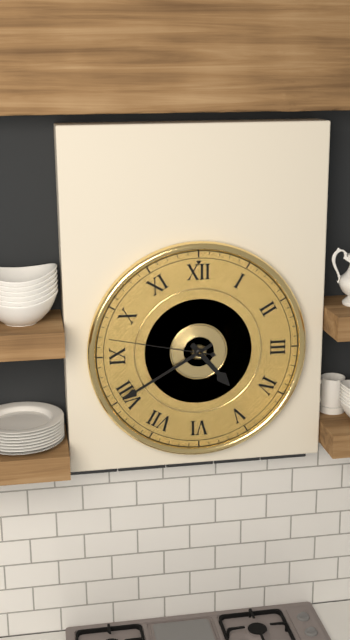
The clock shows 4h40m47s
